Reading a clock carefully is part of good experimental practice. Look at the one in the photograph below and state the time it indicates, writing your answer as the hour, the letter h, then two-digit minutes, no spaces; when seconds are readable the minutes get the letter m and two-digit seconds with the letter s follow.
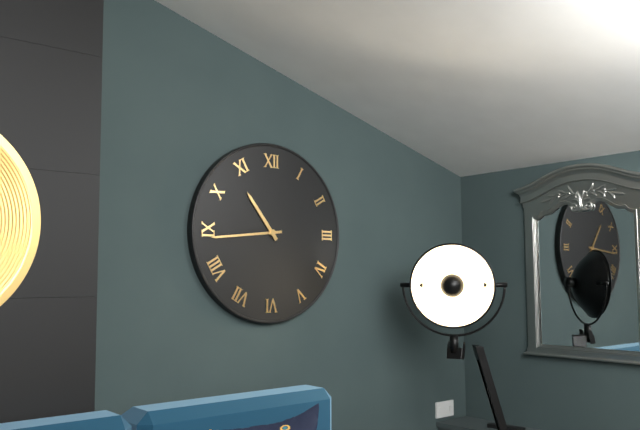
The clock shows 10h44
